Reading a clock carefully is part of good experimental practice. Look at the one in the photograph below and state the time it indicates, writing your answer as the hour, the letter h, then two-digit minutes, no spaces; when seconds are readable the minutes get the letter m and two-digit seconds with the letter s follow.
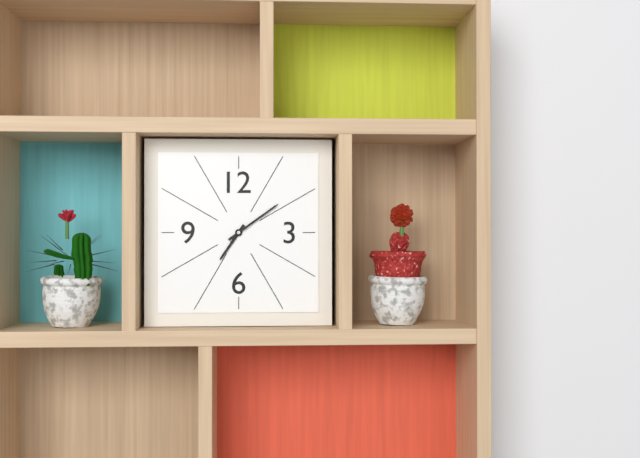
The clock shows 7h09
